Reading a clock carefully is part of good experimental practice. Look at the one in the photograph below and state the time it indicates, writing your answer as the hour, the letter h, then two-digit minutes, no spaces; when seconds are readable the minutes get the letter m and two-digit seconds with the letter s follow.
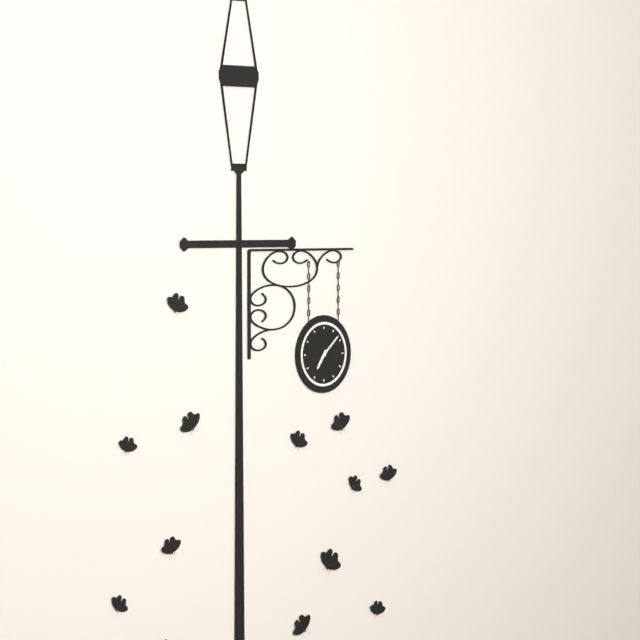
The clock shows 7h08
